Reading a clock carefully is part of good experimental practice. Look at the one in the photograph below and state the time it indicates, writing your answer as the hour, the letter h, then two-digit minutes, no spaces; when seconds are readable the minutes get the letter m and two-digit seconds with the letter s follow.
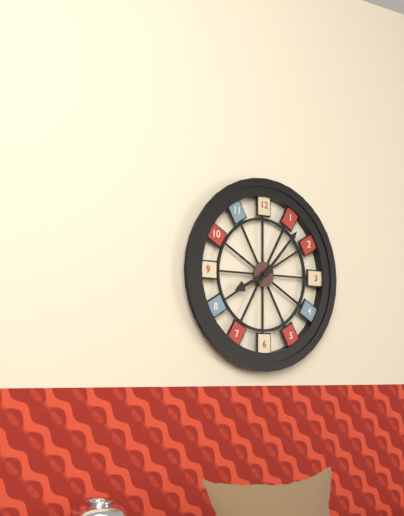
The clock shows 8h07
